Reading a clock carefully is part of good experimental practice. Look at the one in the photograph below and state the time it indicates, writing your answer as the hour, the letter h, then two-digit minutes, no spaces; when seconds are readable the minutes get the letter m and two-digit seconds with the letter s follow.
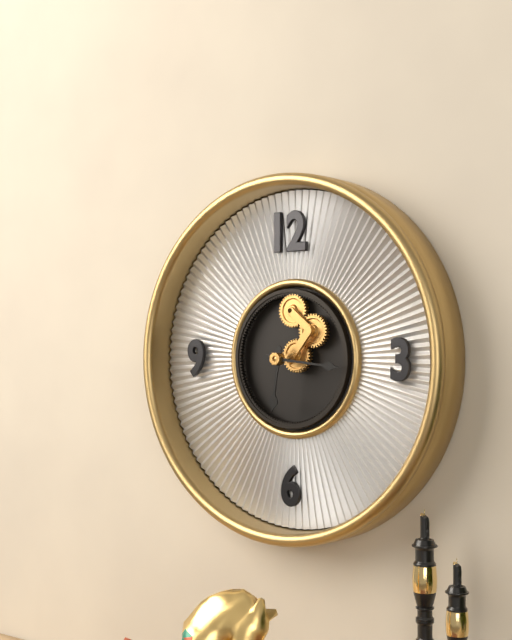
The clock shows 6h16
